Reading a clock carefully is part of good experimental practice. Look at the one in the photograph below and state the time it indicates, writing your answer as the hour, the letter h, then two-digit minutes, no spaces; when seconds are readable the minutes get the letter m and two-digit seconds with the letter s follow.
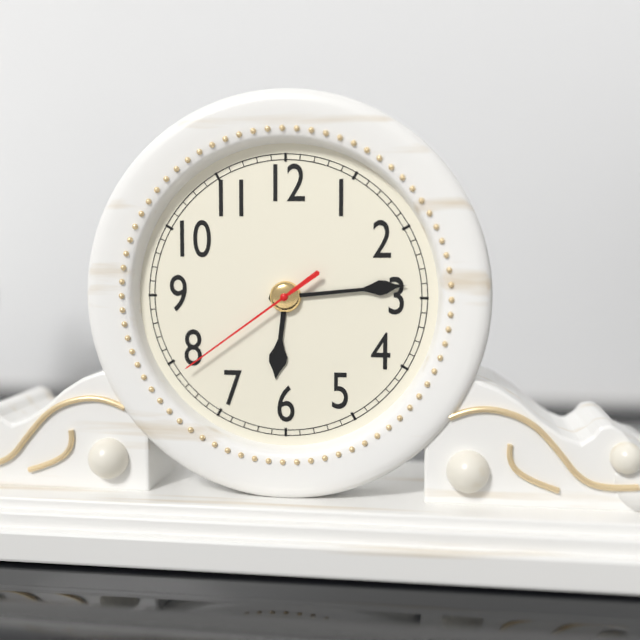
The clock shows 6h14m39s
